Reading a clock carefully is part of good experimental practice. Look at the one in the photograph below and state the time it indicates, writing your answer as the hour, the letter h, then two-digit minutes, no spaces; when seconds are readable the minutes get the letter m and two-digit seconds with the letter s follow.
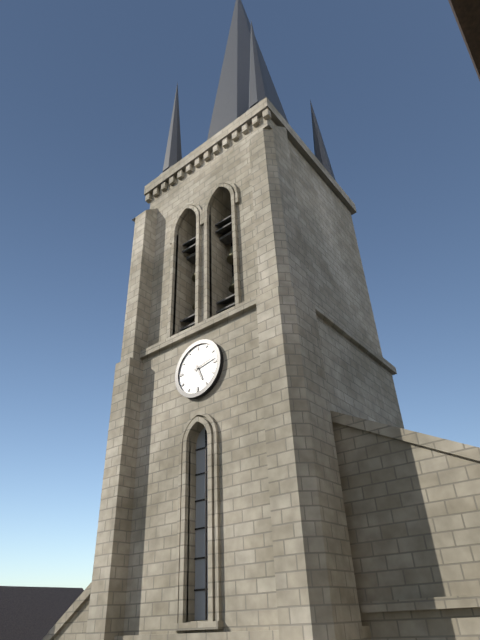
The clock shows 5h13
